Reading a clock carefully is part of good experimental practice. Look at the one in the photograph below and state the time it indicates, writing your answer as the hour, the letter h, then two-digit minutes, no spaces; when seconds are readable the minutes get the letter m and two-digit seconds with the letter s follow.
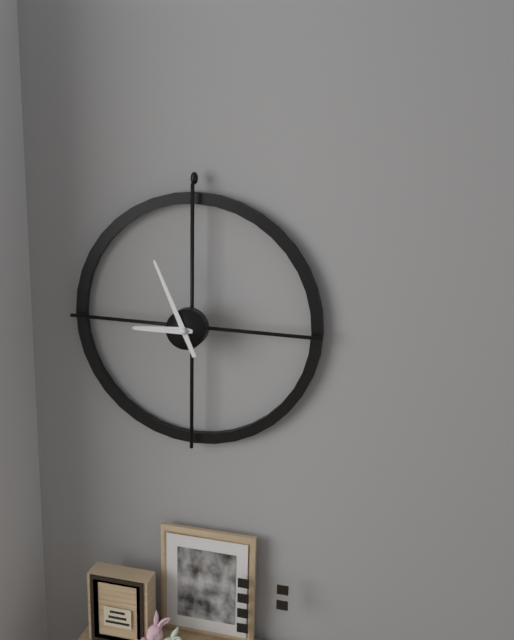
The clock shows 8h56
